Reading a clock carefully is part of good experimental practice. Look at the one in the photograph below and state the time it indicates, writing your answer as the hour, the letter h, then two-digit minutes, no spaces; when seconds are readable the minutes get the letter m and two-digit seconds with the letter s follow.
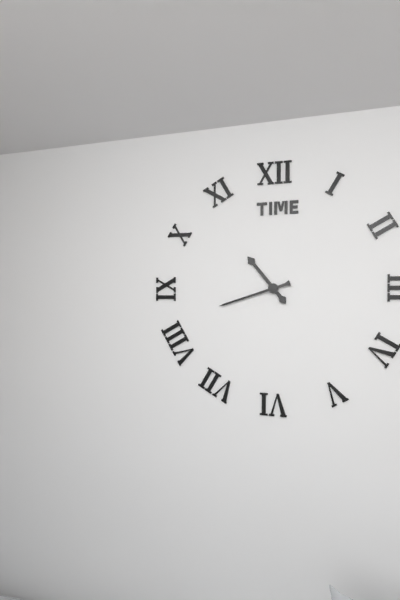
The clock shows 10h42
